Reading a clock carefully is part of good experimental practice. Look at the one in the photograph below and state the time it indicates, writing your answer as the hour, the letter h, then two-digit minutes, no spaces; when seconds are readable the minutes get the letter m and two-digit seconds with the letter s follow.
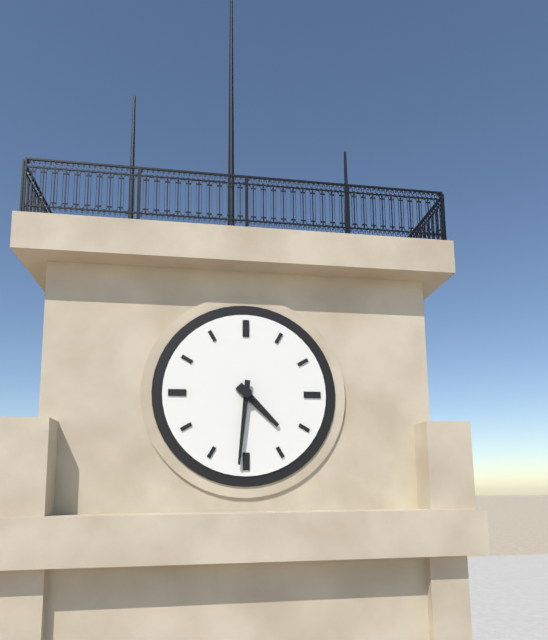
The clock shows 4h31
